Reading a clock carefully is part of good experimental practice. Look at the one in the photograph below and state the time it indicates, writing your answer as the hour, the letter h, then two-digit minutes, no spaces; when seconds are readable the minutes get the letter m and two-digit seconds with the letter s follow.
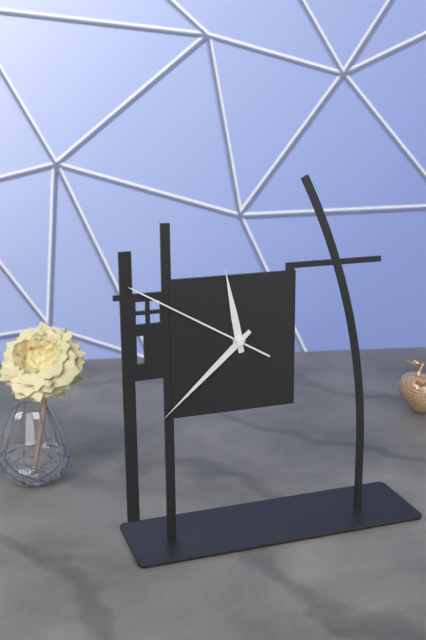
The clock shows 11h38m50s
